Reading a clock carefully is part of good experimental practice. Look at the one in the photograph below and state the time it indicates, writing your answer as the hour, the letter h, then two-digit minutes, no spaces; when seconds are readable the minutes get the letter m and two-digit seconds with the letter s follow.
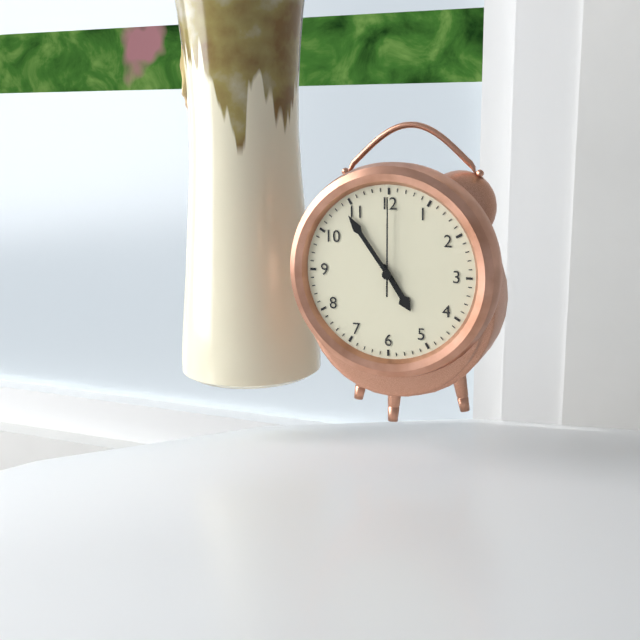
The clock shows 4h54m00s
